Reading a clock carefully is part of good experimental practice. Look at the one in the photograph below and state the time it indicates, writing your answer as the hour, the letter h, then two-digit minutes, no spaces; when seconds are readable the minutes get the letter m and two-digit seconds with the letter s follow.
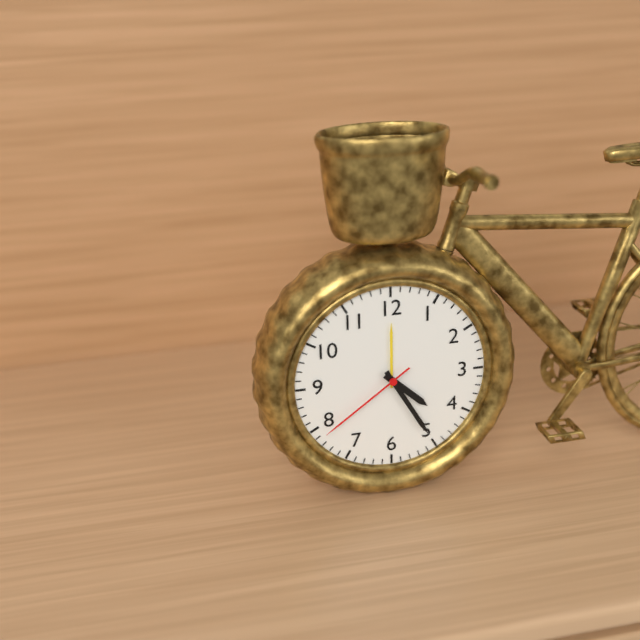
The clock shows 4h25m39s
